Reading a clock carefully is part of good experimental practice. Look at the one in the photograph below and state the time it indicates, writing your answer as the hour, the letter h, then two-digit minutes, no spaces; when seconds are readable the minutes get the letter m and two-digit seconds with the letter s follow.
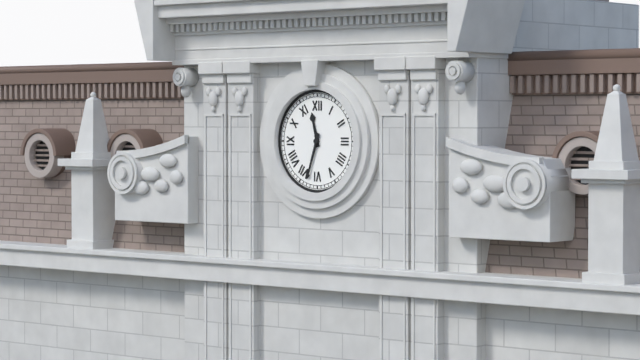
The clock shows 11h33
